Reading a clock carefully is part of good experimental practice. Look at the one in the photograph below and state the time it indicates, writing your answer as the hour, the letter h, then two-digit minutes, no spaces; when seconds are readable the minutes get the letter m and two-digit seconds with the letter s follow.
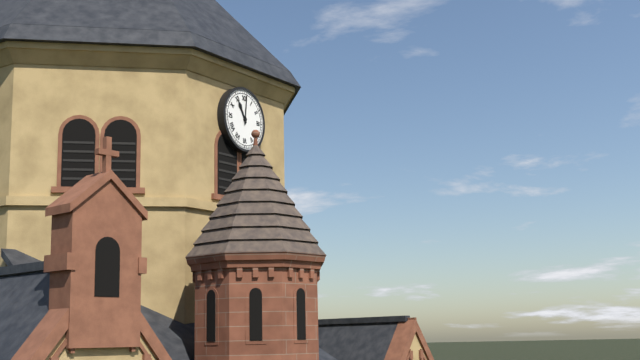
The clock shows 11h01
